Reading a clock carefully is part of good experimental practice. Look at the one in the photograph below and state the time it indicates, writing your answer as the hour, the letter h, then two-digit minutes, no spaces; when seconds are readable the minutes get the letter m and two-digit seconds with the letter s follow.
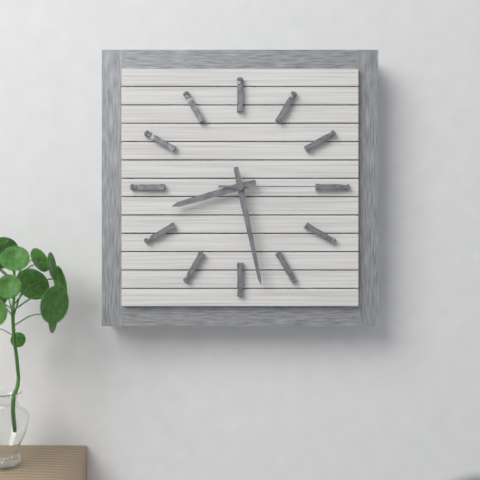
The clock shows 8h28m15s
